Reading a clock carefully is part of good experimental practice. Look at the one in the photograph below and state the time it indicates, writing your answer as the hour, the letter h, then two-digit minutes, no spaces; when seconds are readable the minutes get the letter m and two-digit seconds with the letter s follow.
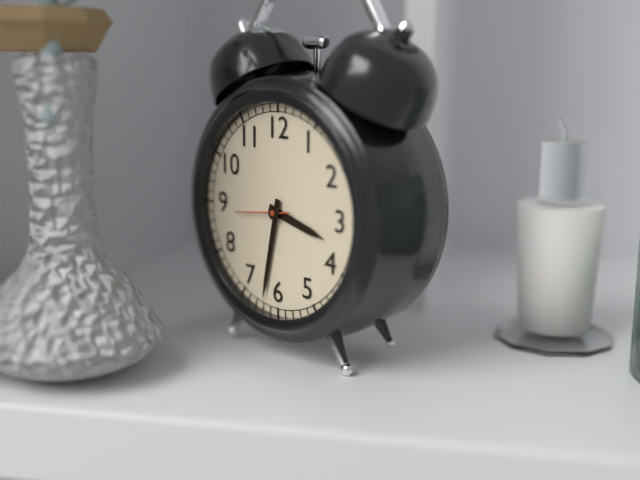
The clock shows 3h32
